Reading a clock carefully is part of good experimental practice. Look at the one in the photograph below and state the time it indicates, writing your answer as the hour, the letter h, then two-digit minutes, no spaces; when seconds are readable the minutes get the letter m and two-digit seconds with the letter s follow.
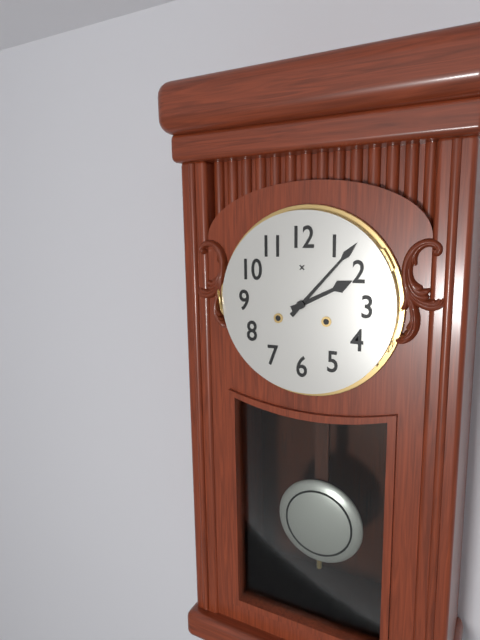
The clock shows 2h07
